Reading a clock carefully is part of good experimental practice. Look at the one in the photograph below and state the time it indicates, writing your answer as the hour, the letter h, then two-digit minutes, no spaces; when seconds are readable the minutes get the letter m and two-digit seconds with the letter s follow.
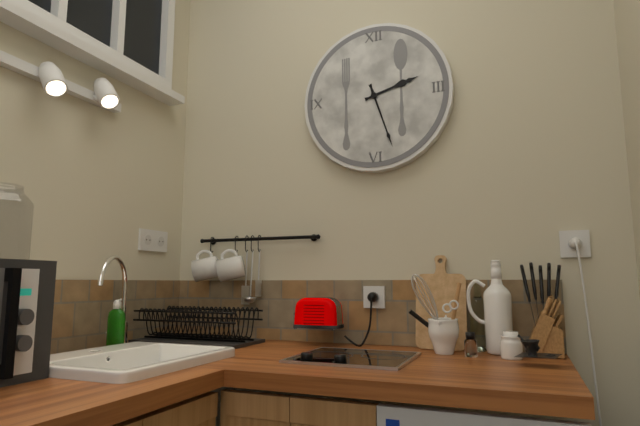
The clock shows 2h27
